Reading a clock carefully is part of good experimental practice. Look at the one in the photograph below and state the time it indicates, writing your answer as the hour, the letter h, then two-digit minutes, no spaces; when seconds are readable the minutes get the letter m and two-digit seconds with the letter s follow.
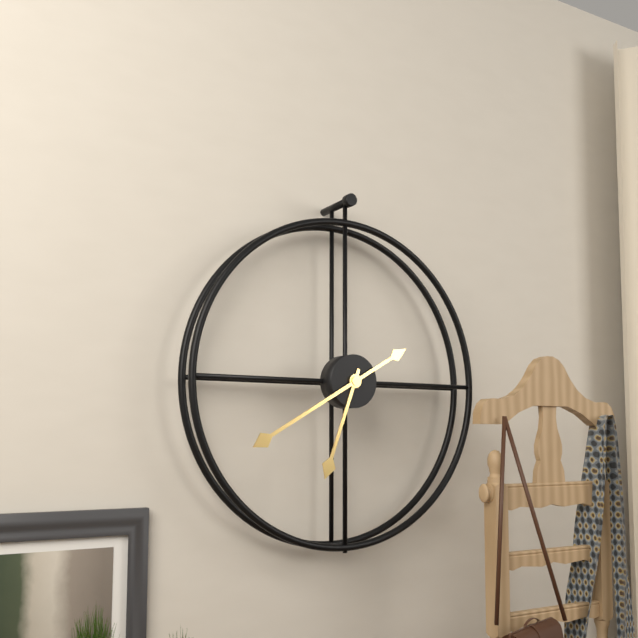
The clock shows 6h40
